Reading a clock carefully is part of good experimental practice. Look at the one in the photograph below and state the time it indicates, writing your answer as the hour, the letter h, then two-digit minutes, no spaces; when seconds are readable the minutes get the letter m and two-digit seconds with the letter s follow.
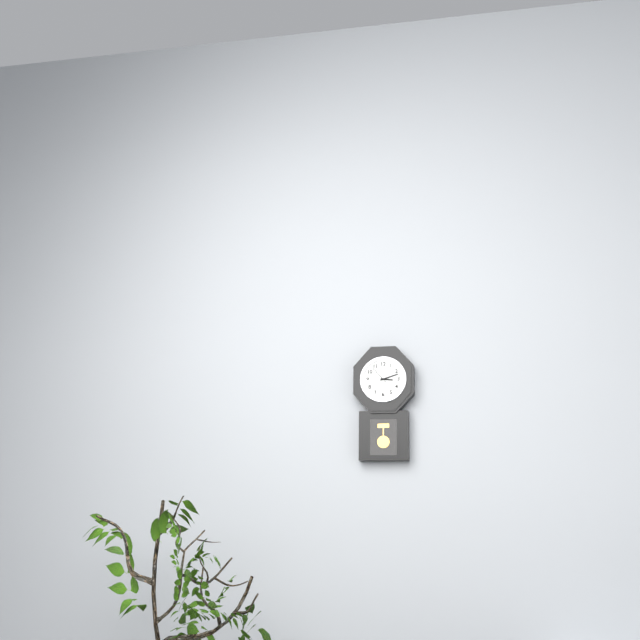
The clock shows 3h12
